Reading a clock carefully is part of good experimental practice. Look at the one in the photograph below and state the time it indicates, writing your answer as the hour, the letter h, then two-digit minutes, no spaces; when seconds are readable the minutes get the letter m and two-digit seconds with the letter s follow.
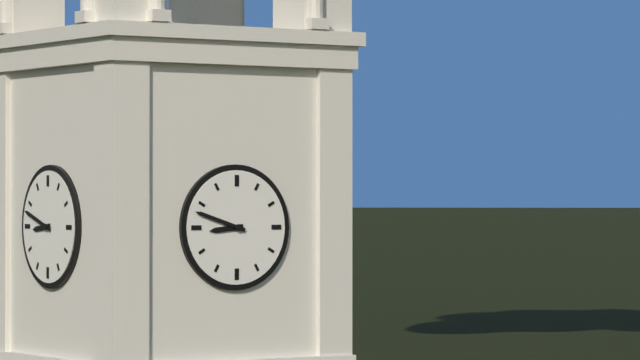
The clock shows 8h48
